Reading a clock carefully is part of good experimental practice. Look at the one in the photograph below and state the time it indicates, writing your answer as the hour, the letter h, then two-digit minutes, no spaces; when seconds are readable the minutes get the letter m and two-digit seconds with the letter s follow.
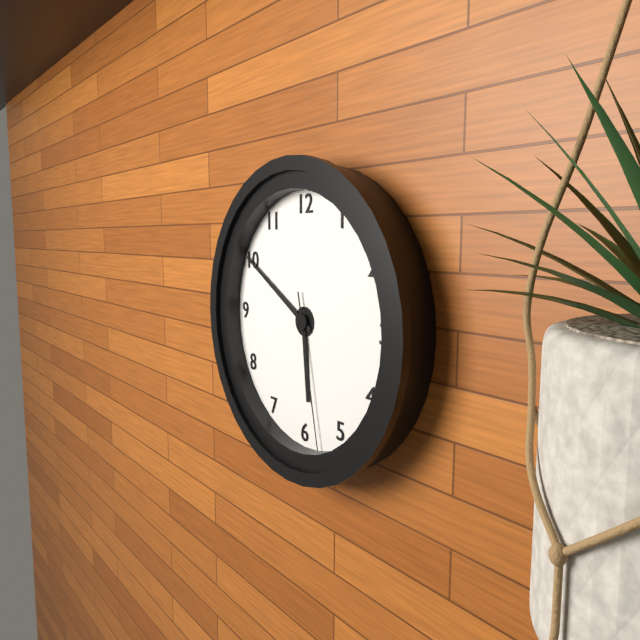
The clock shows 5h50m28s
